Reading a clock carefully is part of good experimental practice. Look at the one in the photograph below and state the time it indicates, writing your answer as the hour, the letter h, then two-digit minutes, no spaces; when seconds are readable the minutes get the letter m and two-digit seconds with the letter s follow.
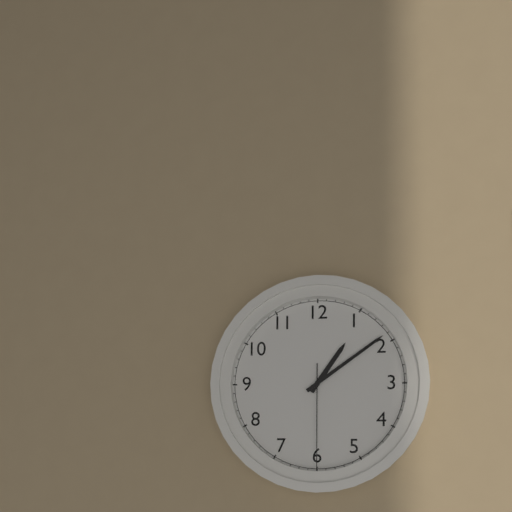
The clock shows 1h09m30s
